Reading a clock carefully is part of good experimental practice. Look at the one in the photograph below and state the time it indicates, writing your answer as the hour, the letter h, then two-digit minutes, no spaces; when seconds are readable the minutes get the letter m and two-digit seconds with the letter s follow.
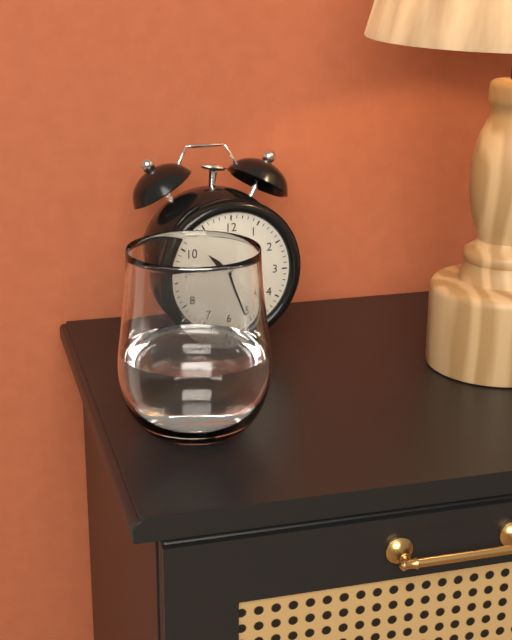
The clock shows 10h26
